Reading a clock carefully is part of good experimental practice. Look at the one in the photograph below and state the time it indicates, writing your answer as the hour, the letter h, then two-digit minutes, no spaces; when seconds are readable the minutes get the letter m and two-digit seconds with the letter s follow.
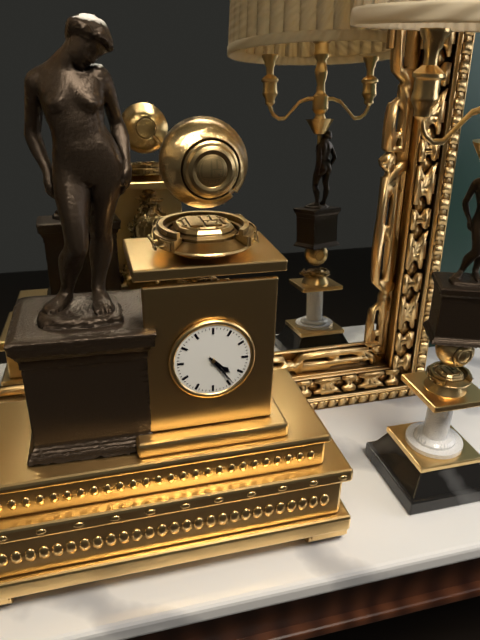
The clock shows 4h24
